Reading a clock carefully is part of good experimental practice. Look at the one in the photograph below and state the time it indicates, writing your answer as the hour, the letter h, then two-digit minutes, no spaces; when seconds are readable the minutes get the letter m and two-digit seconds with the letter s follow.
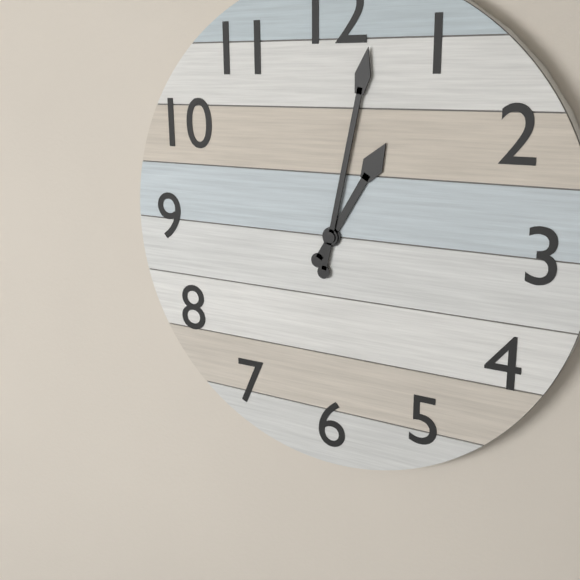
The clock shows 1h02
